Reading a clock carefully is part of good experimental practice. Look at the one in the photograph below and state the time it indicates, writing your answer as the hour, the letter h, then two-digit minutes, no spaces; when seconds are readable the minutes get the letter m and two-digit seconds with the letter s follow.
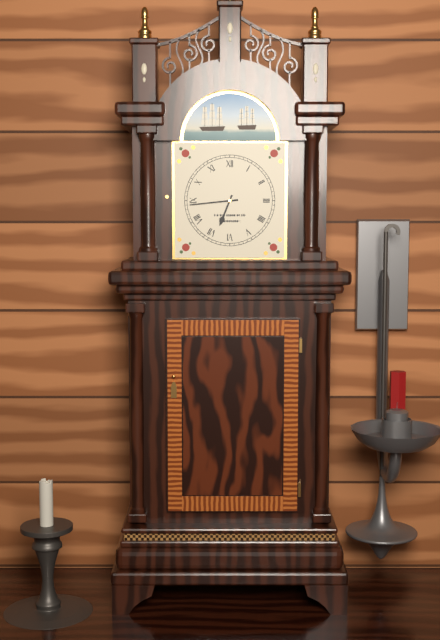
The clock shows 6h44
